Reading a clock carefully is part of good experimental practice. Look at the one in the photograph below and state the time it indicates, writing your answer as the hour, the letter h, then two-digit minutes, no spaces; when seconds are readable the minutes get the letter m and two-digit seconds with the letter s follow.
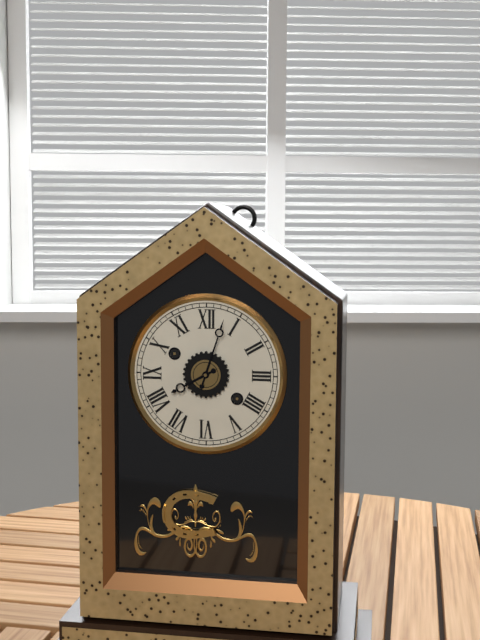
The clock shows 8h03
